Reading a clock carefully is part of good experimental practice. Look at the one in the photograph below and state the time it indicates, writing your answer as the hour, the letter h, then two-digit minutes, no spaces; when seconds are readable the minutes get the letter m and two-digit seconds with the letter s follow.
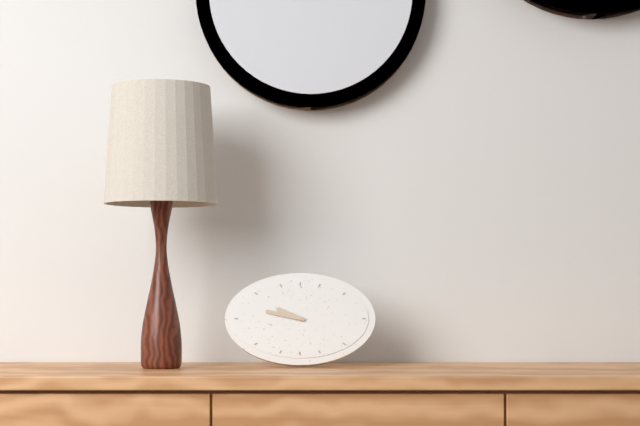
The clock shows 9h47
